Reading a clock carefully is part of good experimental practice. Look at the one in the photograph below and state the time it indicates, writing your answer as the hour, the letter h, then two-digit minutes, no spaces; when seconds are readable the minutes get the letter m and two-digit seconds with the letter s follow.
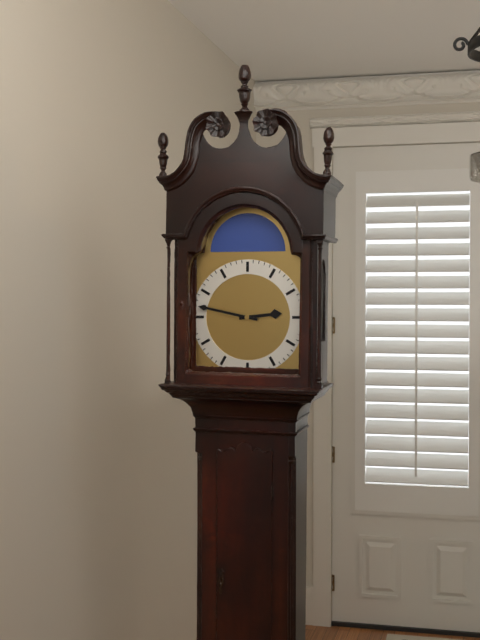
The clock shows 2h47
